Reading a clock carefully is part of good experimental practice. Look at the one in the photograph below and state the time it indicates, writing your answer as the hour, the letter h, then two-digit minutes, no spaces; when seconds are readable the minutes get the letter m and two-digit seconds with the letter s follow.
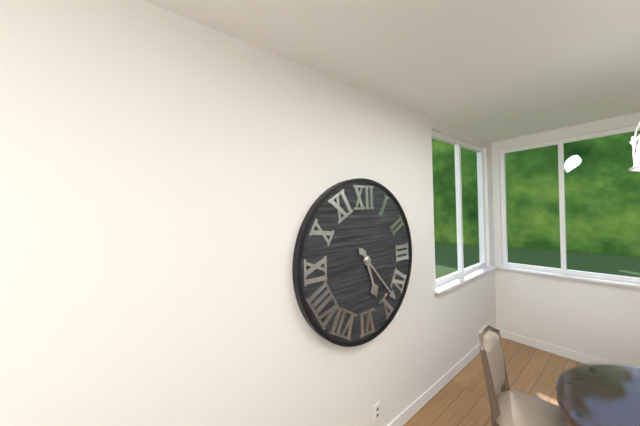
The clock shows 5h23
